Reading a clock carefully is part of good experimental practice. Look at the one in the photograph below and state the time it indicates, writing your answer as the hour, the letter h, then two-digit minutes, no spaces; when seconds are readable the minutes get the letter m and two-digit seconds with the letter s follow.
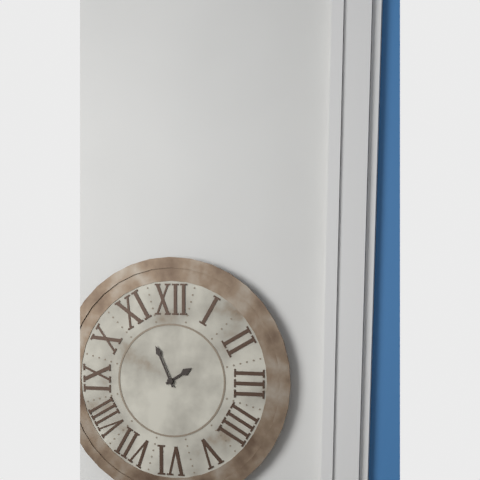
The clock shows 1h56
